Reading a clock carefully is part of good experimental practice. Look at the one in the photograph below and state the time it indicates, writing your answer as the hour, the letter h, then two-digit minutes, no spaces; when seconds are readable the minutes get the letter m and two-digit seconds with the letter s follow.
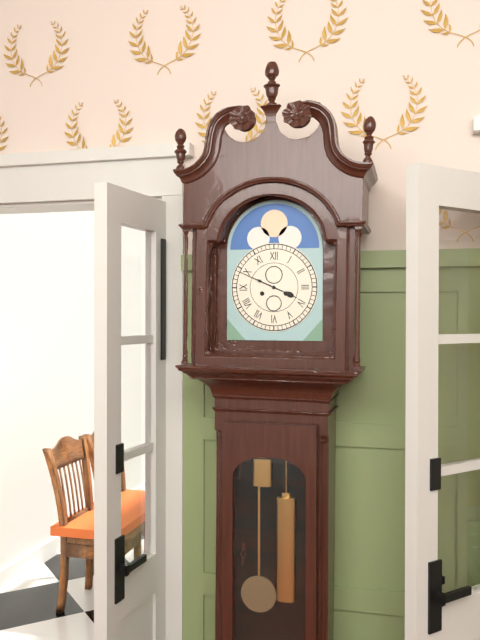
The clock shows 3h49
